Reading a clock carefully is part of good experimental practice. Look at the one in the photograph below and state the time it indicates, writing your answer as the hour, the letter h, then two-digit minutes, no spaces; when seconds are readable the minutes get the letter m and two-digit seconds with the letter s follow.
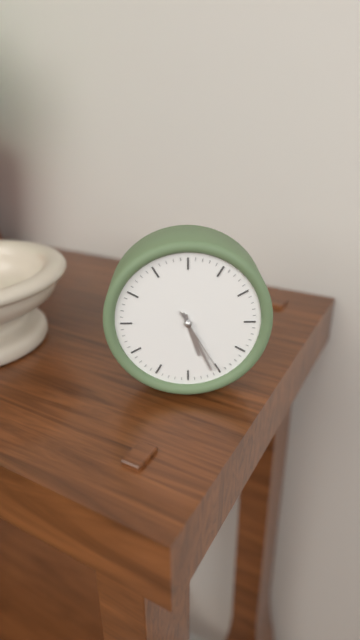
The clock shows 5h26m25s
